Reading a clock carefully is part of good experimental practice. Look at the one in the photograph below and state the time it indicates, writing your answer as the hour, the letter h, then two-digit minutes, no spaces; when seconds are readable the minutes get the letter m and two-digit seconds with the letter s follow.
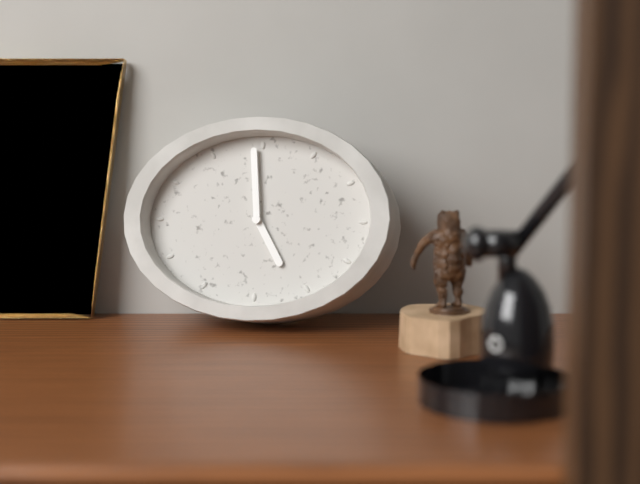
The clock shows 4h59
